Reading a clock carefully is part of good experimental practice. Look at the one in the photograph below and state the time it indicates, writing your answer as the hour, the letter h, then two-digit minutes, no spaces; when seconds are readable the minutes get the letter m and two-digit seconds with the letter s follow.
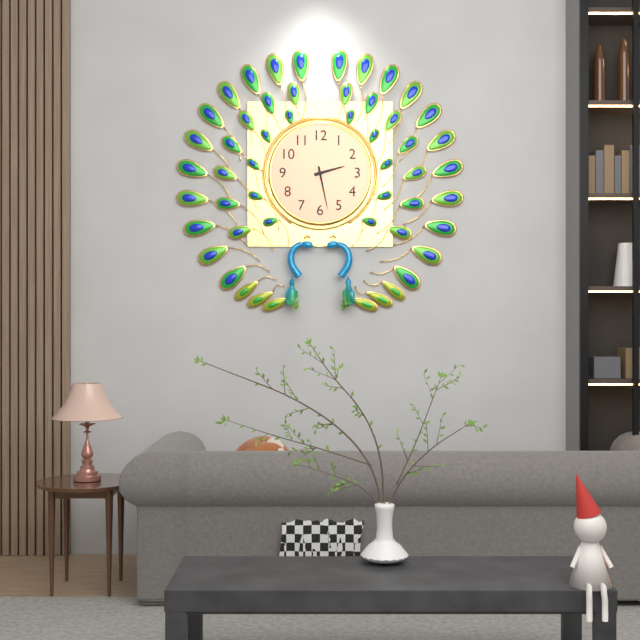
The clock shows 2h28
